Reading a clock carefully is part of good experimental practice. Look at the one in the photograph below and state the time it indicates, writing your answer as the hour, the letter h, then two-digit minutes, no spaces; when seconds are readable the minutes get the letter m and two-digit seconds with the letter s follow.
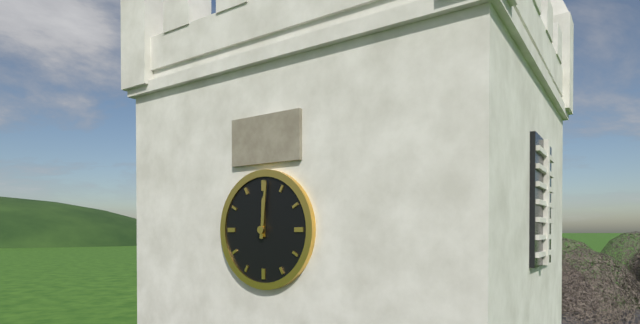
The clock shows 12h01
